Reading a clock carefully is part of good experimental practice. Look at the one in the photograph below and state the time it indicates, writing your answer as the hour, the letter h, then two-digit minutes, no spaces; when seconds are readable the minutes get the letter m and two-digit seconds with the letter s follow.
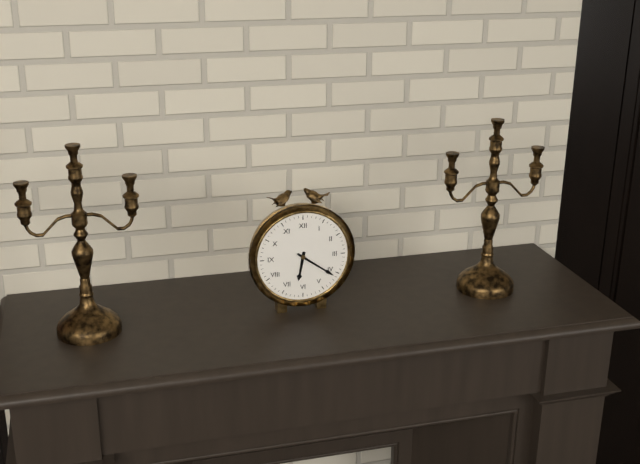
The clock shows 6h21
